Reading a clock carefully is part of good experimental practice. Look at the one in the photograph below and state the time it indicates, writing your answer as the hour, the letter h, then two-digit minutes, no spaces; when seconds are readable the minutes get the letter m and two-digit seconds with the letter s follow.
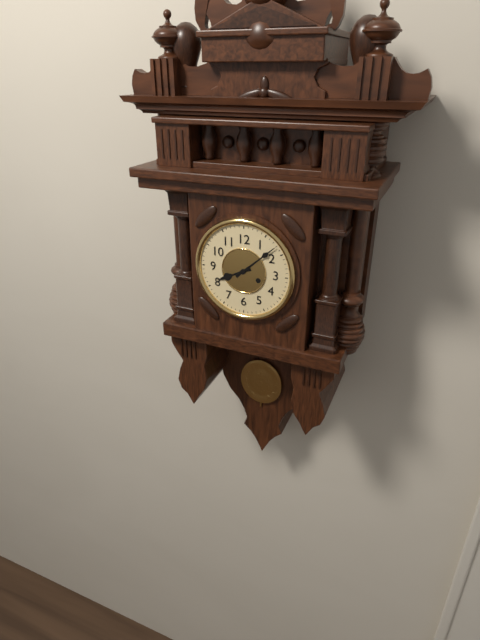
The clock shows 8h08
